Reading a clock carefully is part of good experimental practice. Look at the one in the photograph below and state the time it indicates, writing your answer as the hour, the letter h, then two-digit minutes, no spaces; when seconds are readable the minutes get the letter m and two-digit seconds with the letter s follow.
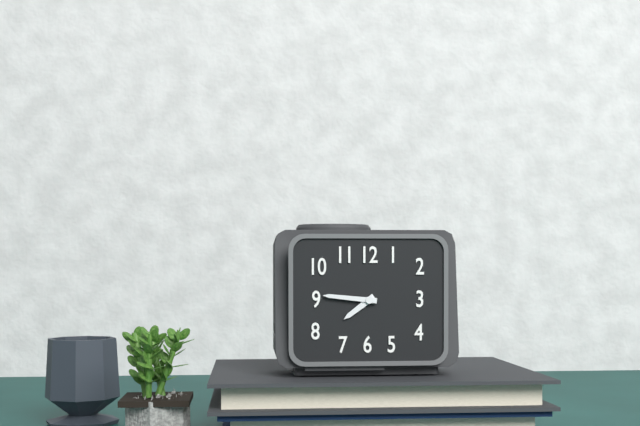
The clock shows 7h46
